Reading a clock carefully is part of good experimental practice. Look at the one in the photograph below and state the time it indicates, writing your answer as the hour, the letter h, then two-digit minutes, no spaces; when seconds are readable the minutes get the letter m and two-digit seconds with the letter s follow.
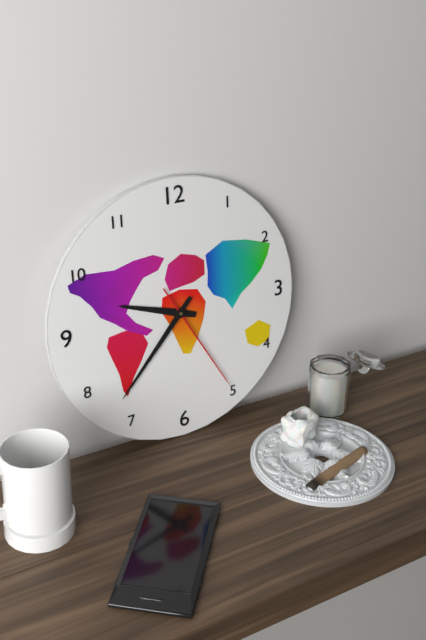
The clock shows 9h37m25s
